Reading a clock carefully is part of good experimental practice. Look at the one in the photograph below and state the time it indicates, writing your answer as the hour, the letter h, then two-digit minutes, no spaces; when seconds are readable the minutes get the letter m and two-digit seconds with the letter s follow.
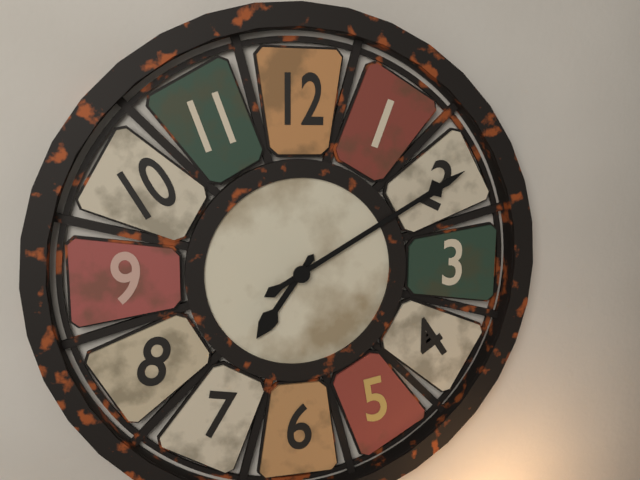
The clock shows 7h10
